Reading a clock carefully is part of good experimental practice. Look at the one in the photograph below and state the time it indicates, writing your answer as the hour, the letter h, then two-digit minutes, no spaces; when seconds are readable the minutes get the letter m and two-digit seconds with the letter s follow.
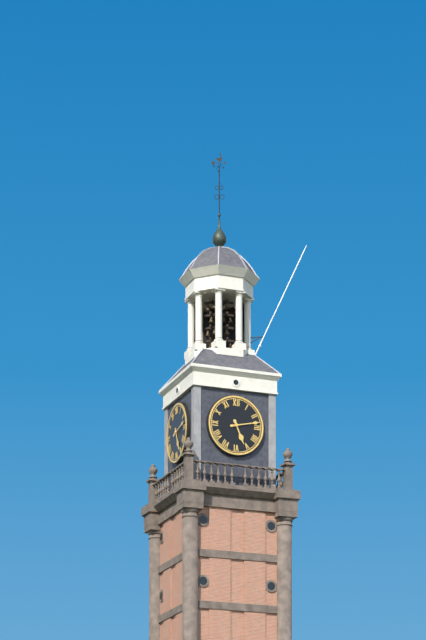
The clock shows 5h13
